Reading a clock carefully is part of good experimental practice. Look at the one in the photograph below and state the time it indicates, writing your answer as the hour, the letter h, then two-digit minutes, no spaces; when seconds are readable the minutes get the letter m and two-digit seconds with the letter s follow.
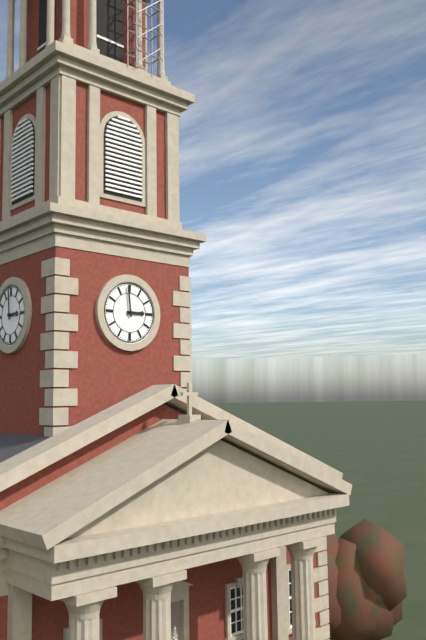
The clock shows 2h59
